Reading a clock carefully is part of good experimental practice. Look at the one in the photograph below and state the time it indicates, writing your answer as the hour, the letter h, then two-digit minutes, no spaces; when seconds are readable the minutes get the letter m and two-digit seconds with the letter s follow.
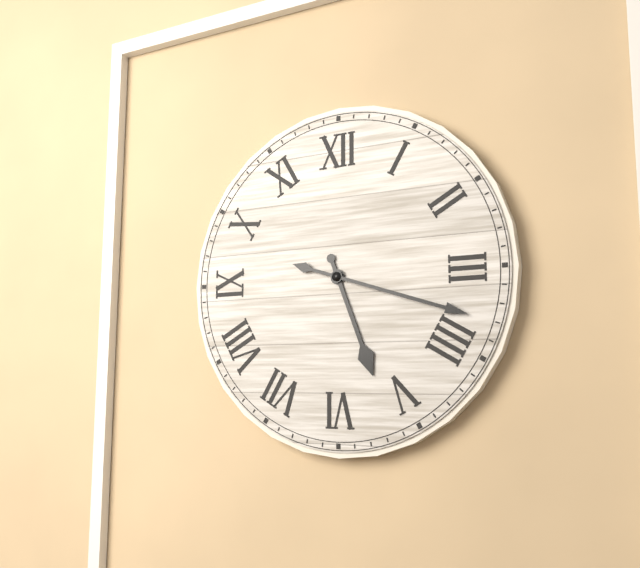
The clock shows 5h18
